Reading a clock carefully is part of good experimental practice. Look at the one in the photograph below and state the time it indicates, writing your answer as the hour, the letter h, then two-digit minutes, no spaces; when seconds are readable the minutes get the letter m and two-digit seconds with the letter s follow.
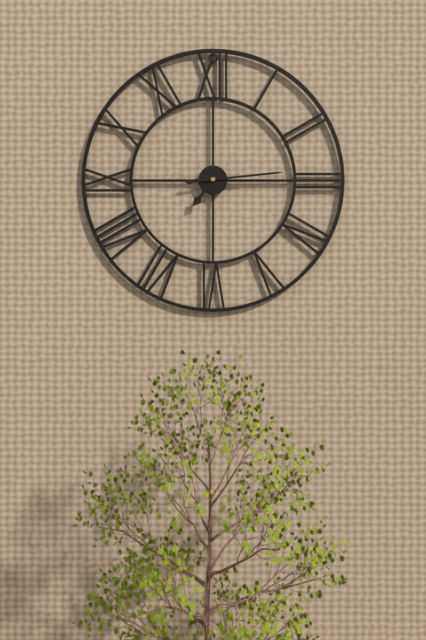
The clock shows 7h14
